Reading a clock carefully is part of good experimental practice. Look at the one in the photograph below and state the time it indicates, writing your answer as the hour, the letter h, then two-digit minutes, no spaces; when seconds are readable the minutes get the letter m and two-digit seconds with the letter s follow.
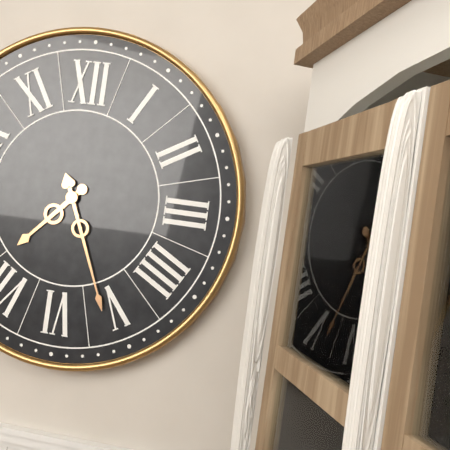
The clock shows 7h26
